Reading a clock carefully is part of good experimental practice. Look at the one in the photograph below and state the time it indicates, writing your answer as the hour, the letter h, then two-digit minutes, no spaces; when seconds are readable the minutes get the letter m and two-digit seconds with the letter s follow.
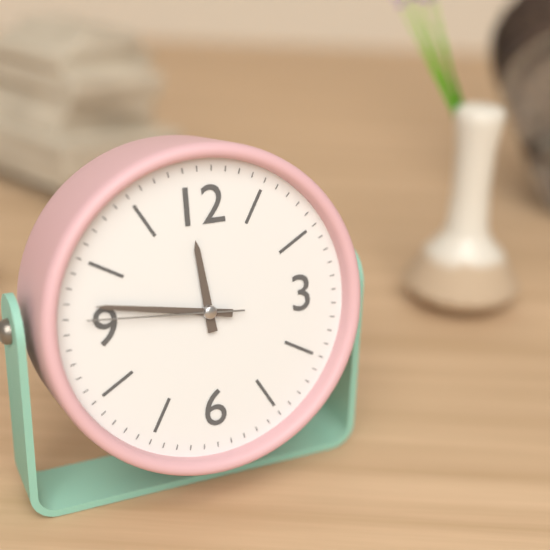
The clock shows 11h47m46s
